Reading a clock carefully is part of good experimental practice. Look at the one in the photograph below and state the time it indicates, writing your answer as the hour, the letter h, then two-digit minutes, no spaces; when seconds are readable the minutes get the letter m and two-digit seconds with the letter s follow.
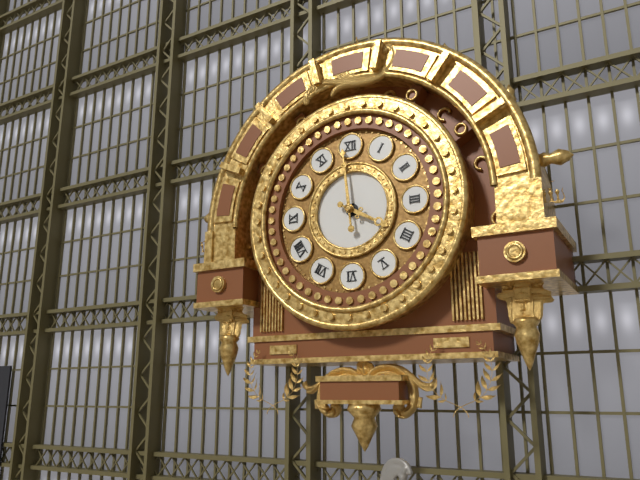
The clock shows 3h59
